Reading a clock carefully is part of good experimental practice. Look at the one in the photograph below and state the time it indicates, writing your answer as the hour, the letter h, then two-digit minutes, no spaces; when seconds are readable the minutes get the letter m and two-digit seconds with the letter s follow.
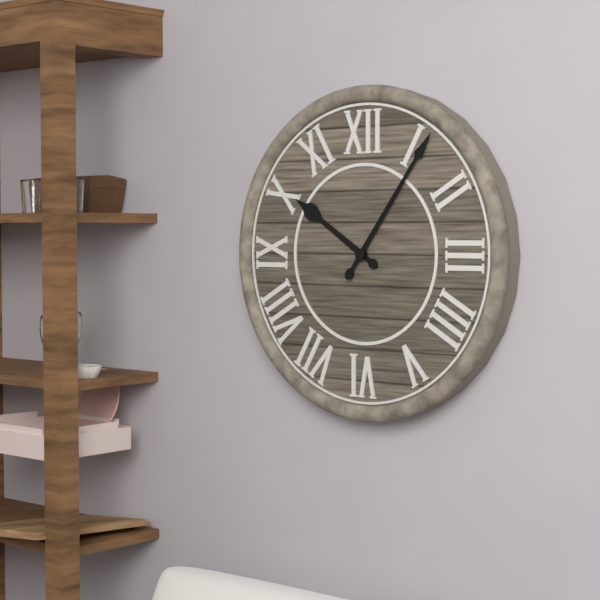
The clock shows 10h06
